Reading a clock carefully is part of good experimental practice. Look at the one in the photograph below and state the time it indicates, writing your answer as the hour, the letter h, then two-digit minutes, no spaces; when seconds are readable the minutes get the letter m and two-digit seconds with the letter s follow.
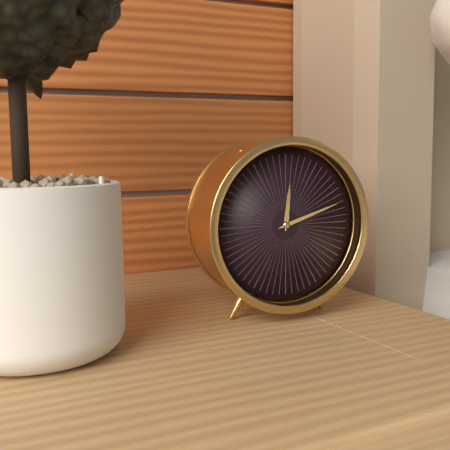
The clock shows 12h12
